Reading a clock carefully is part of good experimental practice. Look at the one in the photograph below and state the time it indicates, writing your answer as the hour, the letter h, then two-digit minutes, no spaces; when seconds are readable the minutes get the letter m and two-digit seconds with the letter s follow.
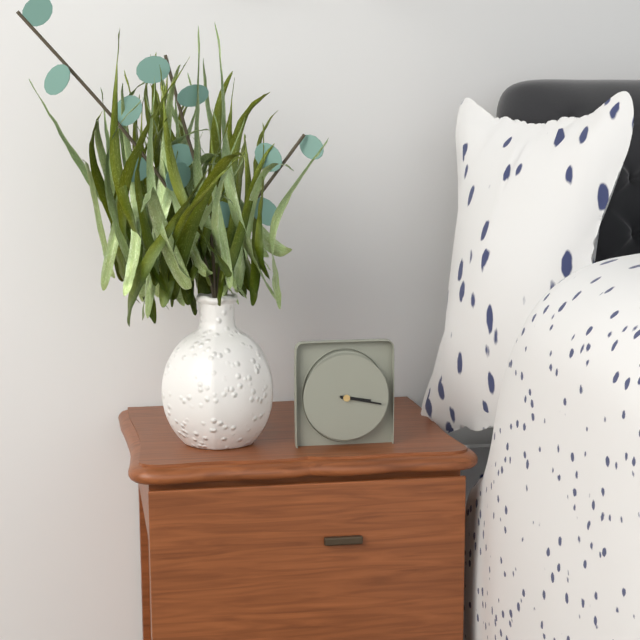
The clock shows 3h17
